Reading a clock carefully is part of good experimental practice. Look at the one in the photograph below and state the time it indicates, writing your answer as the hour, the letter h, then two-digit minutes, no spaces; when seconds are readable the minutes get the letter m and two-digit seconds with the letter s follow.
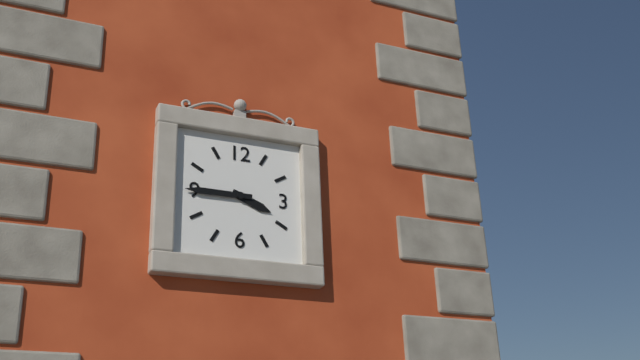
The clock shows 3h45
